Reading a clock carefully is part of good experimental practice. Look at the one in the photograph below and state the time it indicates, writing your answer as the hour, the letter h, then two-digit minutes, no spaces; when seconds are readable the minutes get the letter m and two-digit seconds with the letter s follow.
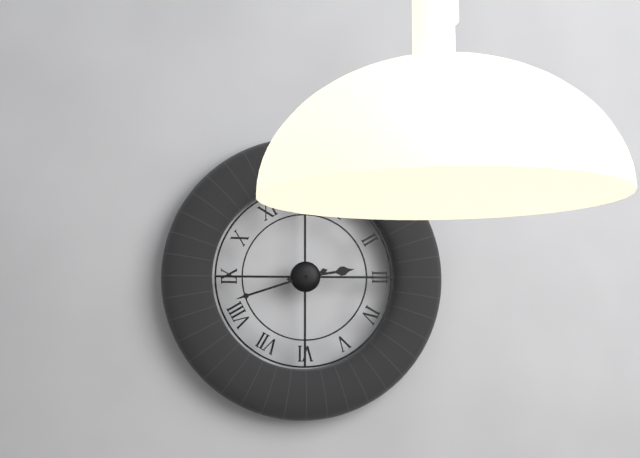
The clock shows 2h42
